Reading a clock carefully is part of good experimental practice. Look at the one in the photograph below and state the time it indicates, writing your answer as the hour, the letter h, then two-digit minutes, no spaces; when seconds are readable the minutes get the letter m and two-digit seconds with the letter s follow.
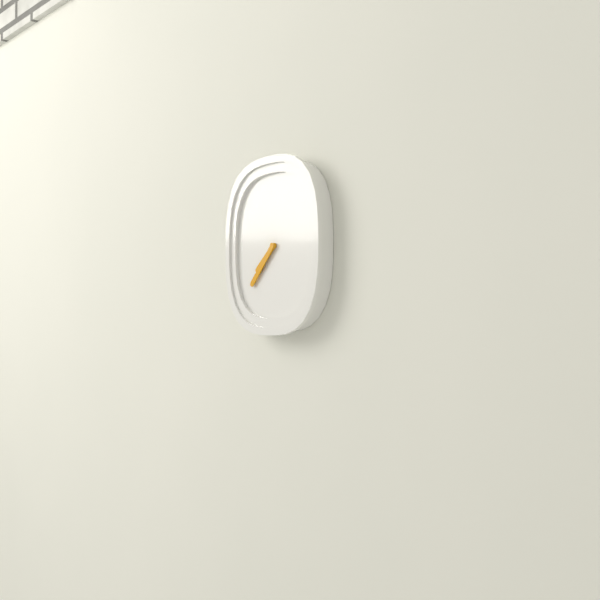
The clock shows 7h37
